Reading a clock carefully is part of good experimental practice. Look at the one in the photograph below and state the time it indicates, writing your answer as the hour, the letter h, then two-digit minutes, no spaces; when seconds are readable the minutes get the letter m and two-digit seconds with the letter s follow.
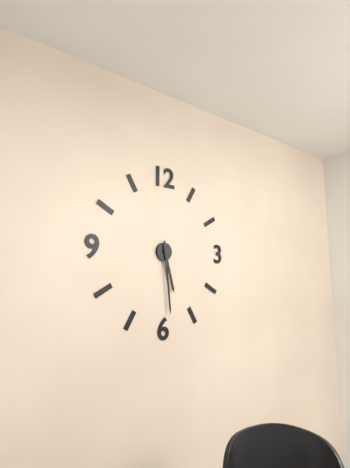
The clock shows 5h29
